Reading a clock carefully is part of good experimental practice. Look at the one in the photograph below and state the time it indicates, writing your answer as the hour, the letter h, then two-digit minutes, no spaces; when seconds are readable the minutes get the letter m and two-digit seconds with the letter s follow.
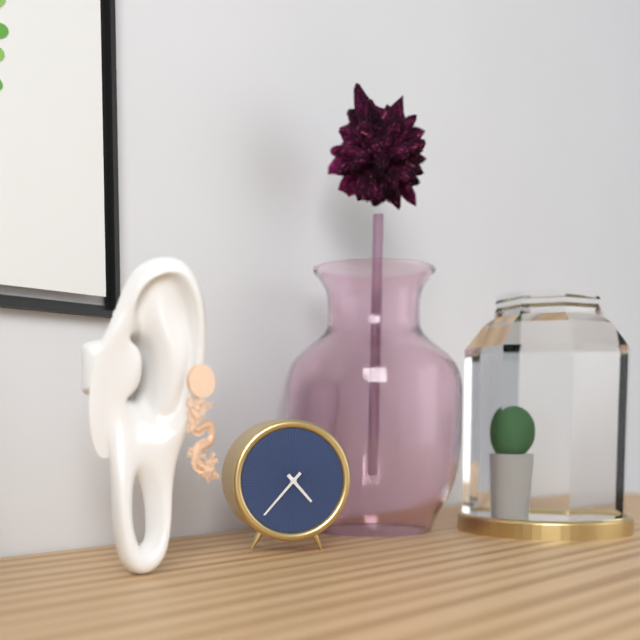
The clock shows 4h37
